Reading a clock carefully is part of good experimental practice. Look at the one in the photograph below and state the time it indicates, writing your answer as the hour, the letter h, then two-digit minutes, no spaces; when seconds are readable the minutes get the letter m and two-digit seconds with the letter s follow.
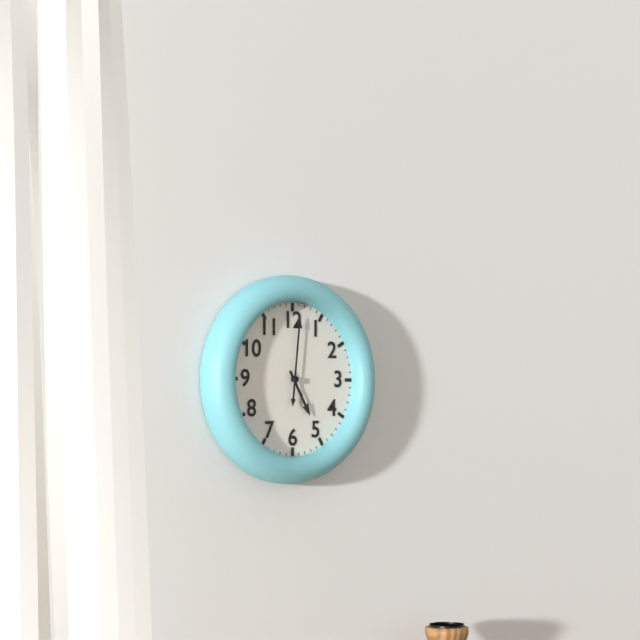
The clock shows 5h01
